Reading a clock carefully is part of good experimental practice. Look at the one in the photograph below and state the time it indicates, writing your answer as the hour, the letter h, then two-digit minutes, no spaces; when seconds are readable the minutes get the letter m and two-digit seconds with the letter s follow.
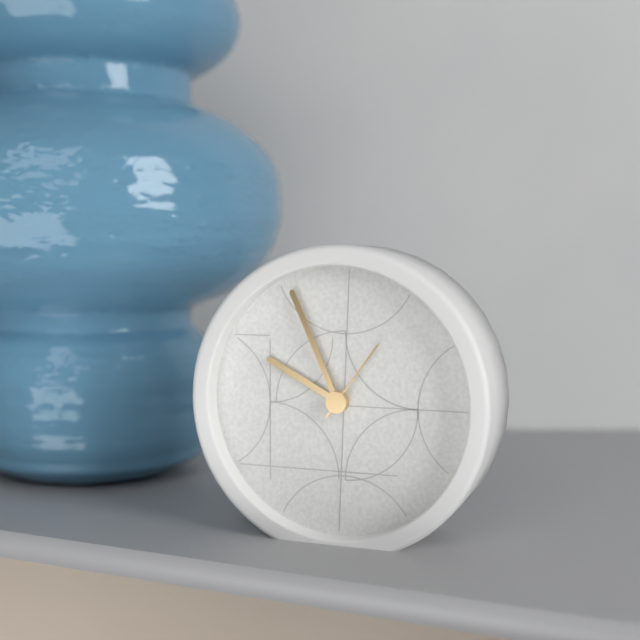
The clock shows 9h56m06s
